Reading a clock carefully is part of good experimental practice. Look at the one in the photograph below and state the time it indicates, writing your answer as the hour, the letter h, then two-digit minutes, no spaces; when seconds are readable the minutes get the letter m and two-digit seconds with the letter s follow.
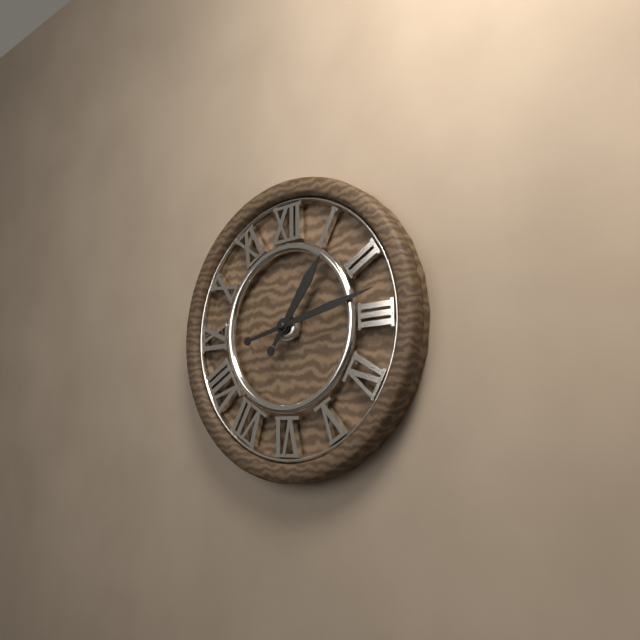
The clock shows 1h13
